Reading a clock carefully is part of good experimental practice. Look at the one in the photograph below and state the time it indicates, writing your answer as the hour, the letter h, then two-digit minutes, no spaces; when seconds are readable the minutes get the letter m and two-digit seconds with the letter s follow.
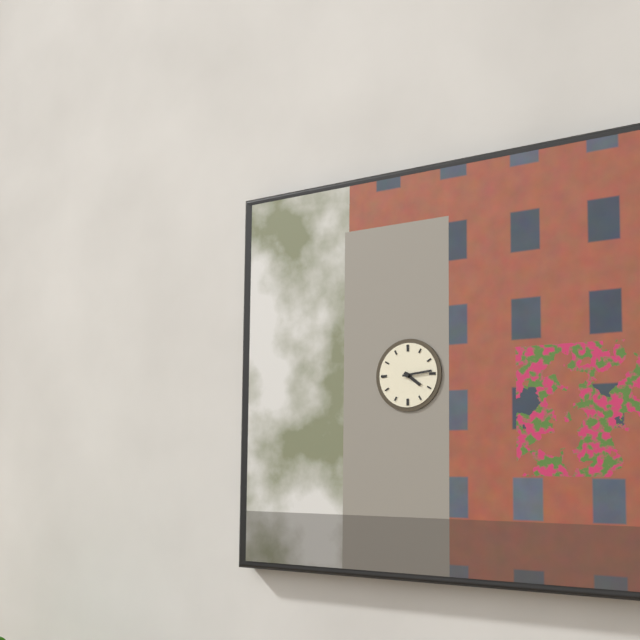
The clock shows 4h14
